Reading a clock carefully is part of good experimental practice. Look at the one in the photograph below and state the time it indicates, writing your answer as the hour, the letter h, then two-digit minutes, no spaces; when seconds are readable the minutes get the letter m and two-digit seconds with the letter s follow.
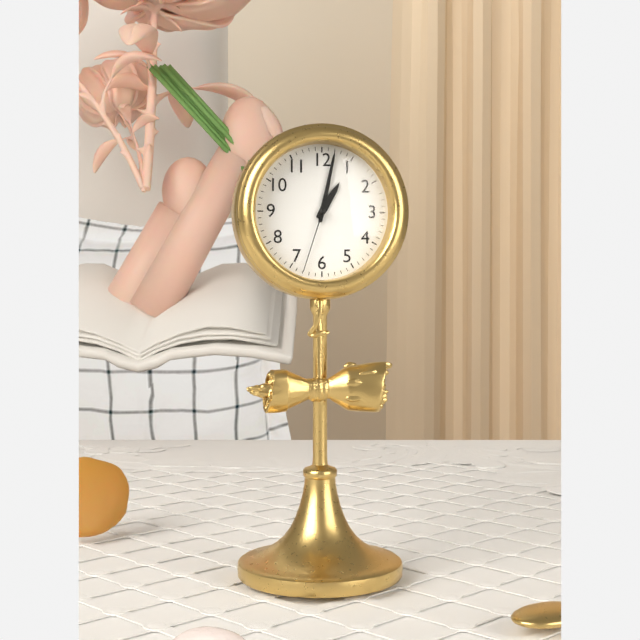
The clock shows 1h02m33s
